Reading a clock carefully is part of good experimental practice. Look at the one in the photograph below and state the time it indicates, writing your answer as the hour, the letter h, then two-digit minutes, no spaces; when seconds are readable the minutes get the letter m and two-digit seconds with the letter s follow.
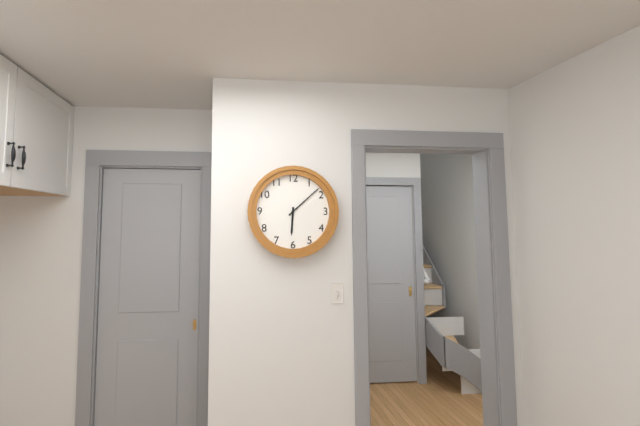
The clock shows 6h08
